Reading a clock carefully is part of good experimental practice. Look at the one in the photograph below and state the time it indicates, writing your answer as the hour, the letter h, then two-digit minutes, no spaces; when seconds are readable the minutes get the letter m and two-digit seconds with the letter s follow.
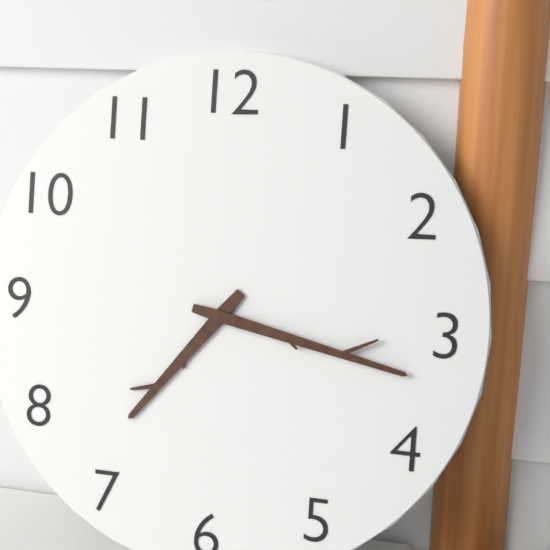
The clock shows 7h17
